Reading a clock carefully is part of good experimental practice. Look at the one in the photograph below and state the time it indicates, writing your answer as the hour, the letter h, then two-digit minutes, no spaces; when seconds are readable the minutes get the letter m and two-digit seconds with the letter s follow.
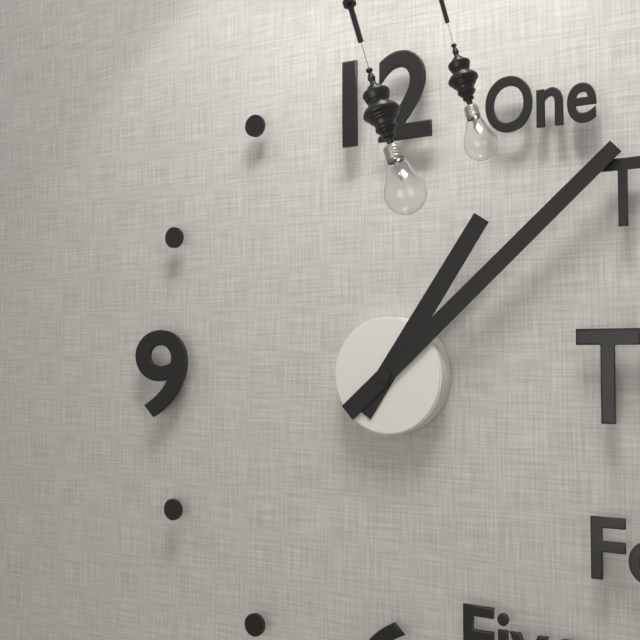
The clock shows 1h08
